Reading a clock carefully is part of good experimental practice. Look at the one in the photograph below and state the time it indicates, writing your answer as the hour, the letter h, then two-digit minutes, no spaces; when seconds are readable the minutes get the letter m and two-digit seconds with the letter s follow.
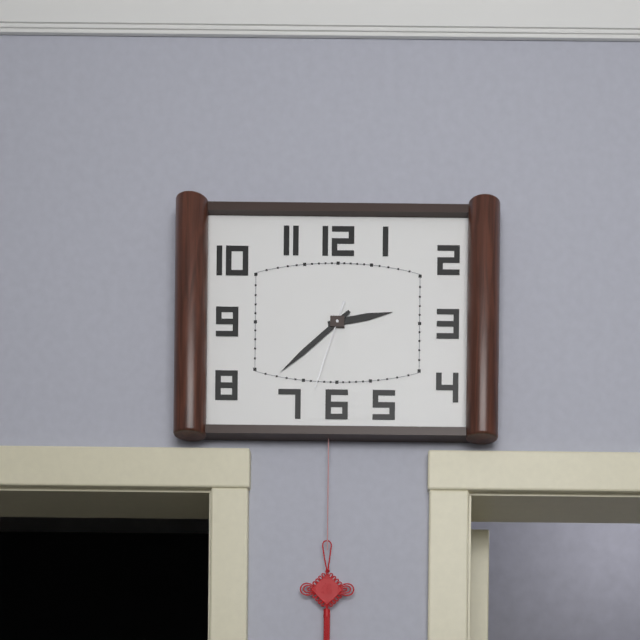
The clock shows 2h38m33s
